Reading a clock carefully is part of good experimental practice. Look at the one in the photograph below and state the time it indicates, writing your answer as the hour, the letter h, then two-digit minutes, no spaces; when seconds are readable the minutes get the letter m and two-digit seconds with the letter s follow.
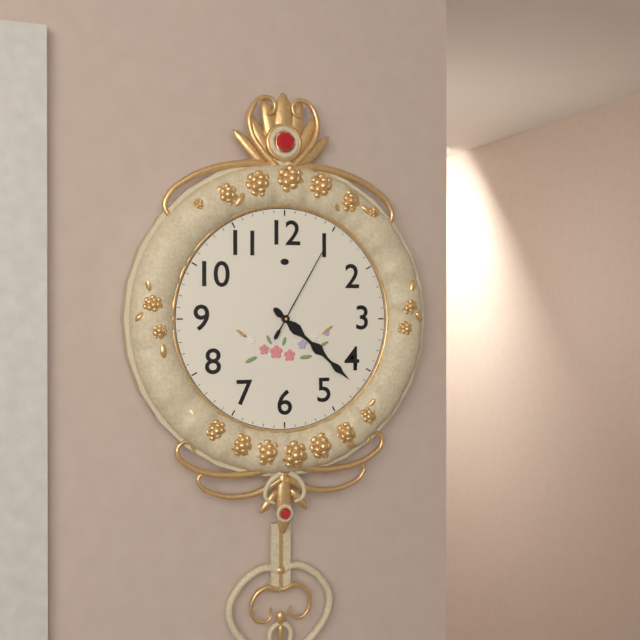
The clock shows 4h22m05s
